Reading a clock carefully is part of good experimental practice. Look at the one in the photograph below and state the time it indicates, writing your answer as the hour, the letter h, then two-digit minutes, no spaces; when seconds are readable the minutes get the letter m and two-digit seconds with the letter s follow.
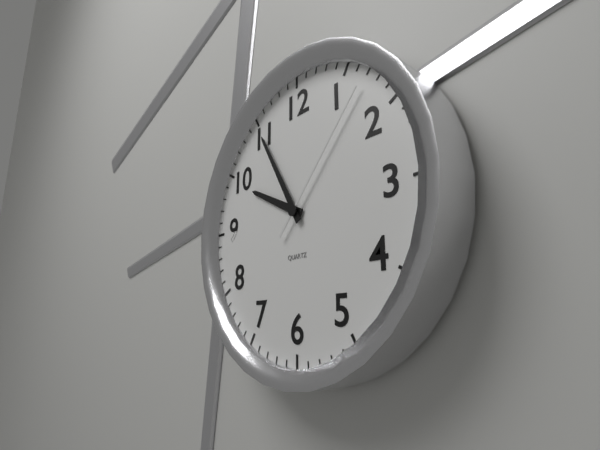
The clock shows 9h55m07s
